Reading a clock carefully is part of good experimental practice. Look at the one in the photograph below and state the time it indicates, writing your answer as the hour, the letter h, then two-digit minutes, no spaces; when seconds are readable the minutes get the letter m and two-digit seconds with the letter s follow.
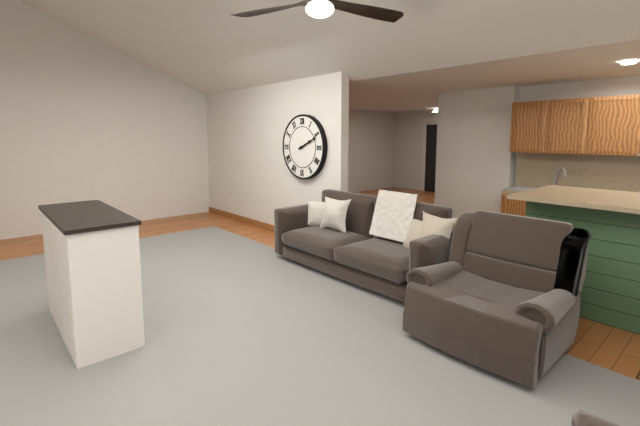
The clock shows 2h11
